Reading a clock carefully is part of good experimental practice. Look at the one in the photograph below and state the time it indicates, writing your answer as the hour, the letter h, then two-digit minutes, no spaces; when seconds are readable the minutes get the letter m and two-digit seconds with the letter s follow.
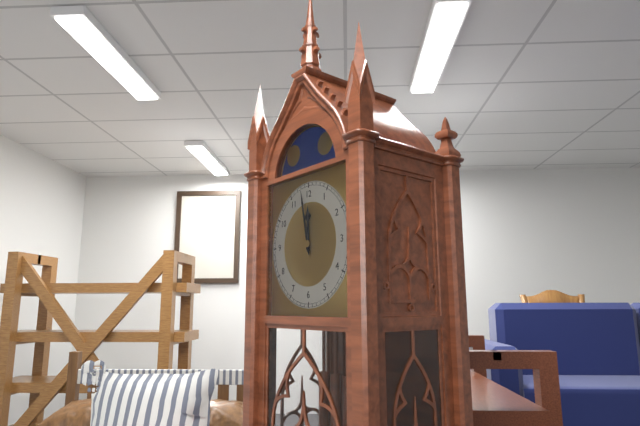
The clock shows 11h58
